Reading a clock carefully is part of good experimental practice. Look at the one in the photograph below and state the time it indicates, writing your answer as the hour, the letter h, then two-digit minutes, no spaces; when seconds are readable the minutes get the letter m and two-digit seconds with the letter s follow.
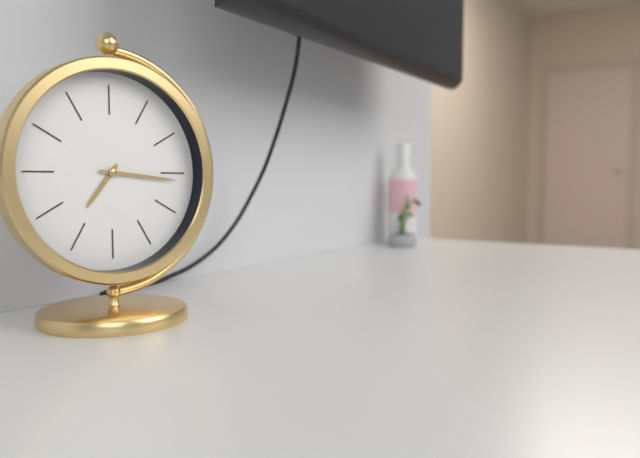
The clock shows 7h16
